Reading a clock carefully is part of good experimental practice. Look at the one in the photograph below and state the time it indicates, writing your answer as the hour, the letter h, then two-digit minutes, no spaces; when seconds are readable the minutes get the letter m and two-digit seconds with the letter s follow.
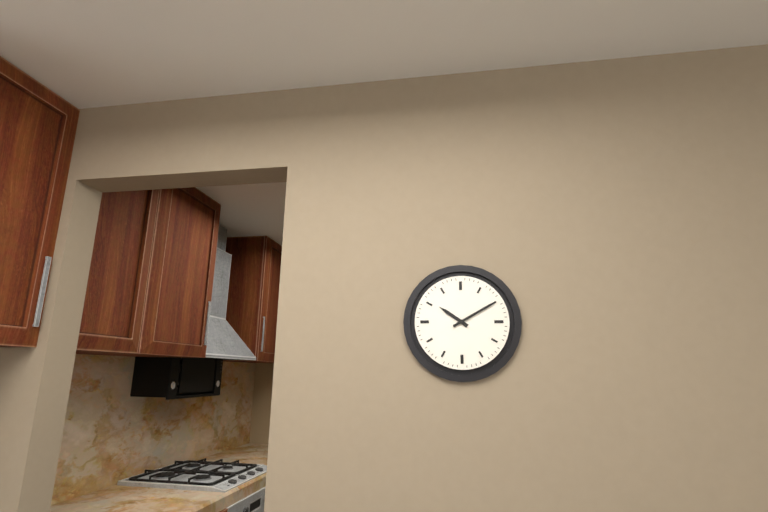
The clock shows 10h10
